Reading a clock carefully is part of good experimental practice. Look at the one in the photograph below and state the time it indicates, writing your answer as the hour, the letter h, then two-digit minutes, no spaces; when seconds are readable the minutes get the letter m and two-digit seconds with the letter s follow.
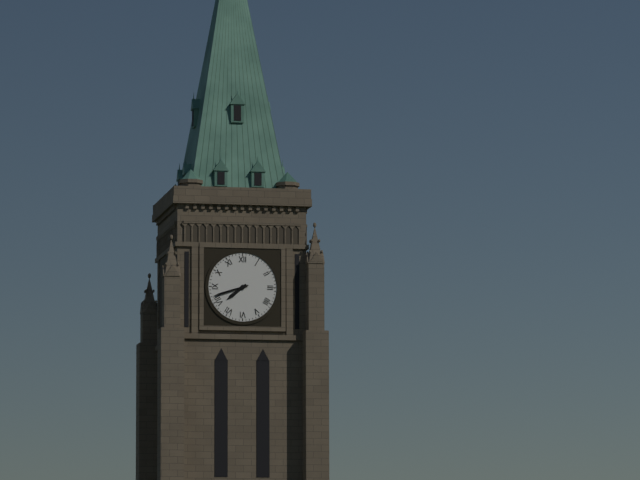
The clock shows 7h42
